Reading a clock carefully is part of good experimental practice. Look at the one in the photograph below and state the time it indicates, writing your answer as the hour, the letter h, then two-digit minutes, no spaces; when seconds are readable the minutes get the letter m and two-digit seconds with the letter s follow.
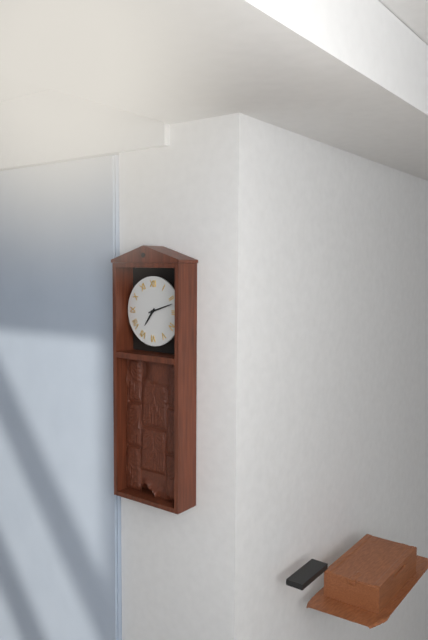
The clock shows 7h12
